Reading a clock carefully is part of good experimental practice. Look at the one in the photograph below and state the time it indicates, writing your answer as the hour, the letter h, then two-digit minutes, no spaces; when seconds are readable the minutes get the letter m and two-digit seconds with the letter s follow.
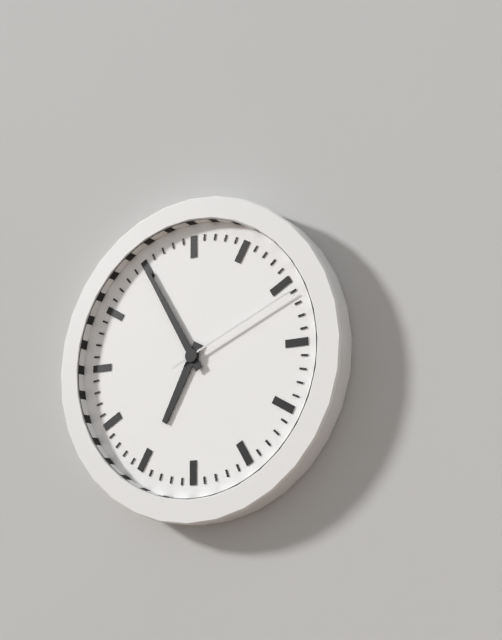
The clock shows 6h55m11s
